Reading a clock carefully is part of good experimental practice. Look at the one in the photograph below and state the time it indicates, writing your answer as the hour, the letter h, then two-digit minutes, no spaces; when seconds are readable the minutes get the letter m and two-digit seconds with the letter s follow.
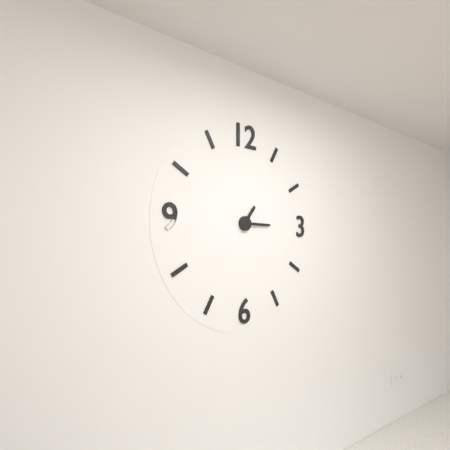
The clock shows 1h15
